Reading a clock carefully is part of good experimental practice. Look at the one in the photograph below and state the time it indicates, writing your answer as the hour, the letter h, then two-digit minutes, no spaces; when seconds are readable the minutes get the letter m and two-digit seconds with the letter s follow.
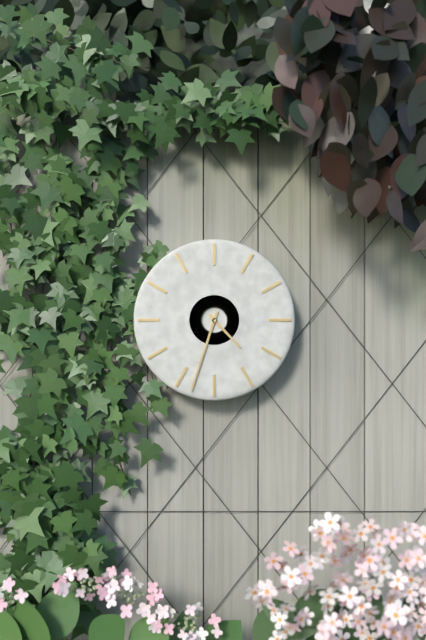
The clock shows 4h33
